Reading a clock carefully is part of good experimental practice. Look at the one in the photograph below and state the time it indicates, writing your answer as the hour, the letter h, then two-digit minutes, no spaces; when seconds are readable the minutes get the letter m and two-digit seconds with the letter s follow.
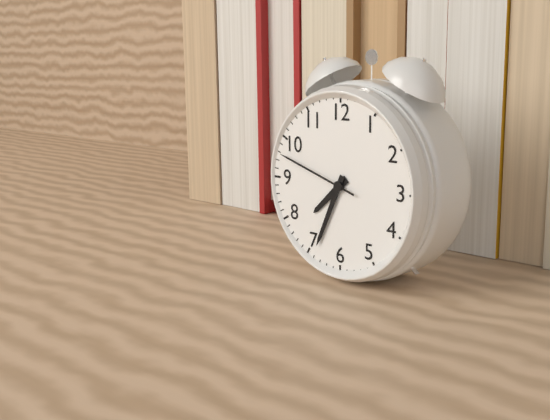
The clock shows 7h34m48s
